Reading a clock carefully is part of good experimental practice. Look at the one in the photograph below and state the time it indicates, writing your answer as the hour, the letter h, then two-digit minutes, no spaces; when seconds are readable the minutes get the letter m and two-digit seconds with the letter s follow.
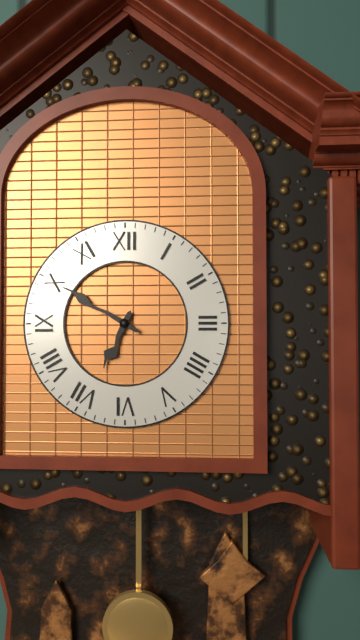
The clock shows 6h50
